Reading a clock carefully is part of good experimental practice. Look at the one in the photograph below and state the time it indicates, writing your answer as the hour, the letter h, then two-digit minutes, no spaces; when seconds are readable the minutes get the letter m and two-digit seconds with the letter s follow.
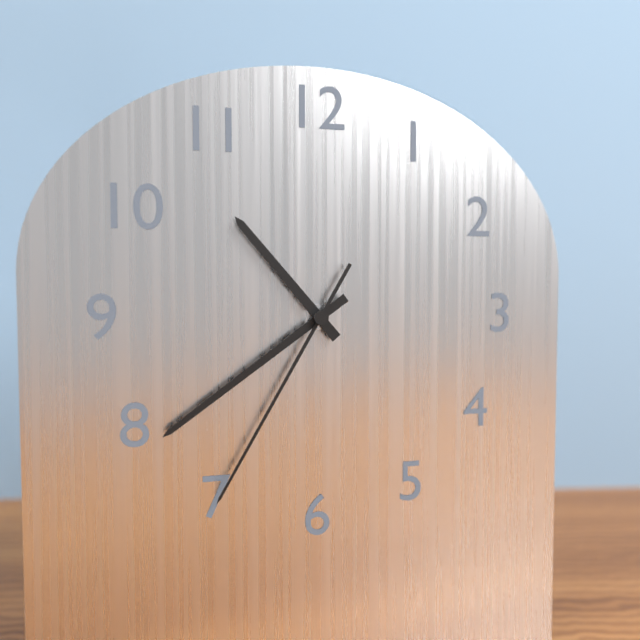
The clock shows 10h39m35s
